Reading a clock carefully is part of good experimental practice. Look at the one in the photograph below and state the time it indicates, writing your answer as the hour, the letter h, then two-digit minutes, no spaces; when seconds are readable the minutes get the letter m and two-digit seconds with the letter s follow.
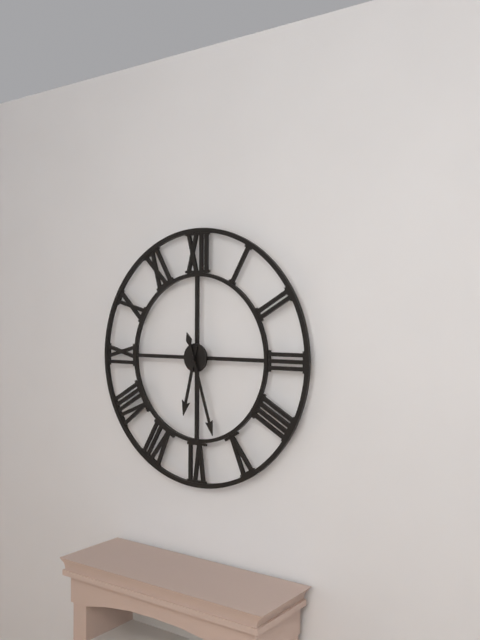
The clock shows 6h27
